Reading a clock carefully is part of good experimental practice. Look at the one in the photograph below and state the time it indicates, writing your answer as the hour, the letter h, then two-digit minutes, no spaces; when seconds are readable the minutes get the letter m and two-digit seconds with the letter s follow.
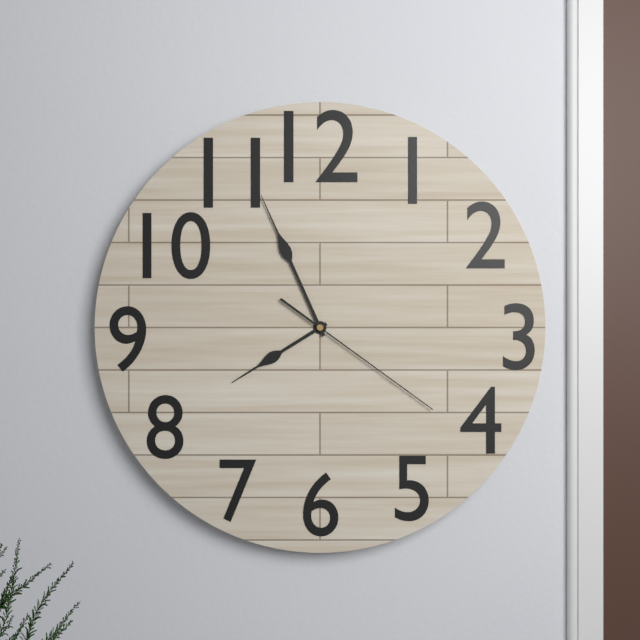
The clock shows 7h56m21s
